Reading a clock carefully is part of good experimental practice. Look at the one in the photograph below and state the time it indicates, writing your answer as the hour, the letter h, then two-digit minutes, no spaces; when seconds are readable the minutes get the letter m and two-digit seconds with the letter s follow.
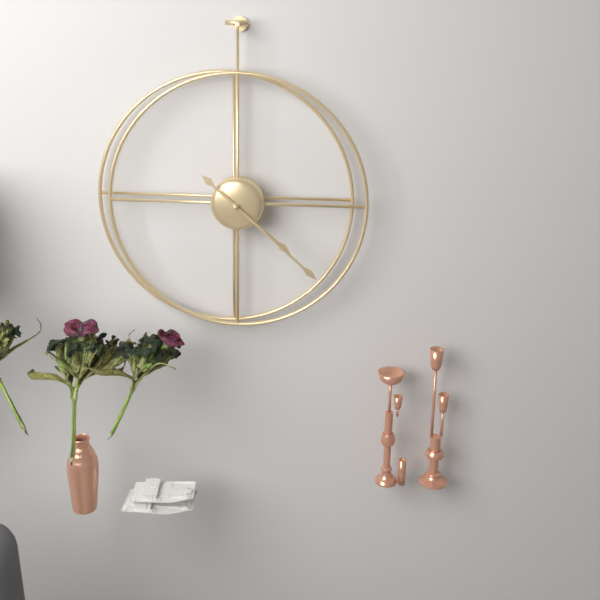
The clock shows 4h22
